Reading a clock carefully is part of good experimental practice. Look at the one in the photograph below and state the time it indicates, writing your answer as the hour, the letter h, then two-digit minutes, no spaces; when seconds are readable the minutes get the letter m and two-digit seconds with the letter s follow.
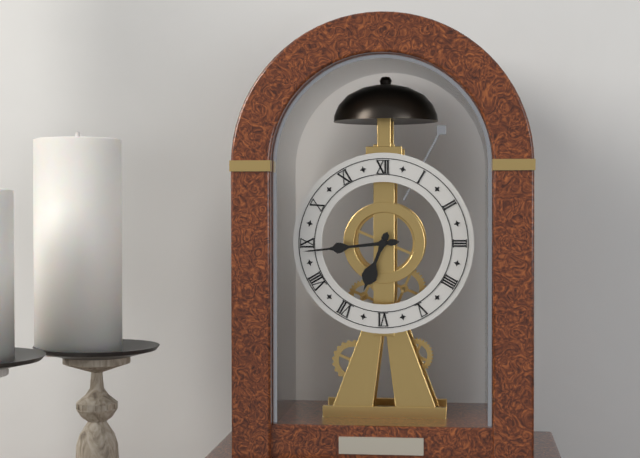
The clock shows 6h44
